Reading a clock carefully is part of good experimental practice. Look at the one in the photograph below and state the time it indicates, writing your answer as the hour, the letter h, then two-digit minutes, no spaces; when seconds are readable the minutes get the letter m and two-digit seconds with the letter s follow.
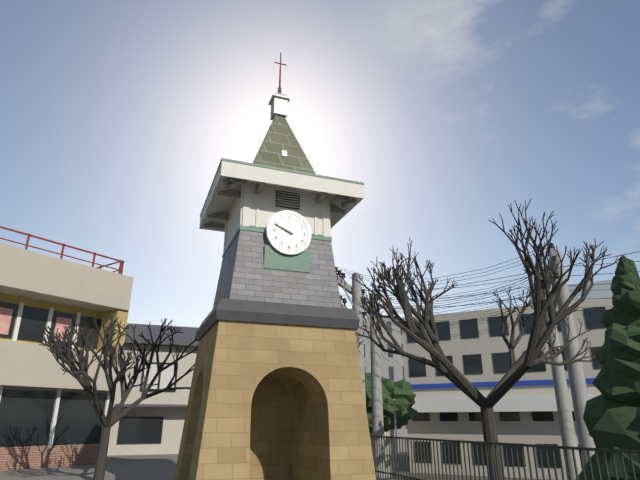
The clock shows 9h49
